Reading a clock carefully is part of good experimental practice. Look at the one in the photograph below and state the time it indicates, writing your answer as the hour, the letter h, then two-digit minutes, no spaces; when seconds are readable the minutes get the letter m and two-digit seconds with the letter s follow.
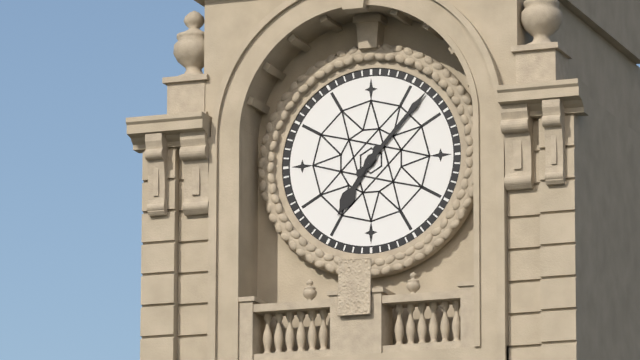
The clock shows 7h07
